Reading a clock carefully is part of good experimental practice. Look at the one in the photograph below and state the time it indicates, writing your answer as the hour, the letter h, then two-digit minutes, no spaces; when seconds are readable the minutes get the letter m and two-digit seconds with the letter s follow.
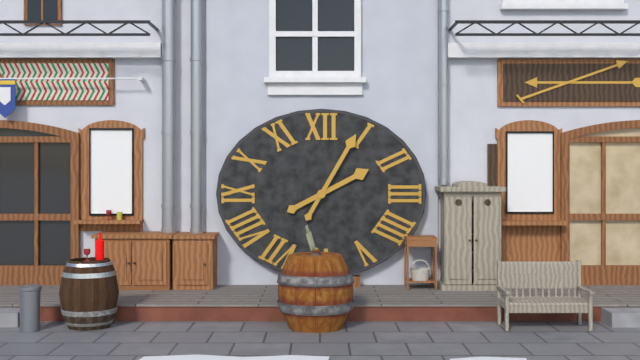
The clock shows 2h05
